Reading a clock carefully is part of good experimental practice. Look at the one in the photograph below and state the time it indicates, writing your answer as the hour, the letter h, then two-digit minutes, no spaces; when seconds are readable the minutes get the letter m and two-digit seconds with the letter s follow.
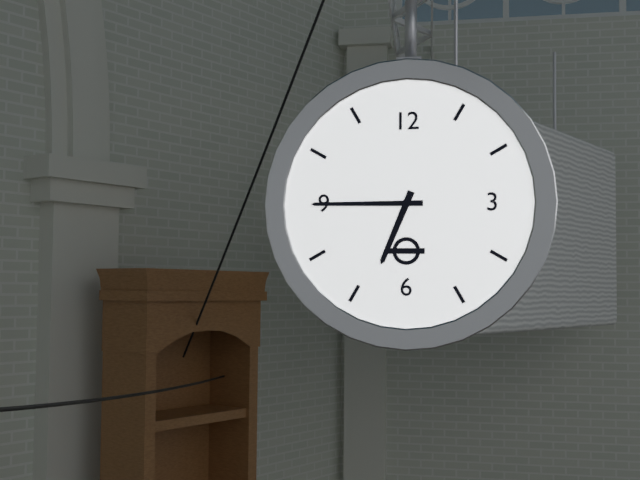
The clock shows 6h45
